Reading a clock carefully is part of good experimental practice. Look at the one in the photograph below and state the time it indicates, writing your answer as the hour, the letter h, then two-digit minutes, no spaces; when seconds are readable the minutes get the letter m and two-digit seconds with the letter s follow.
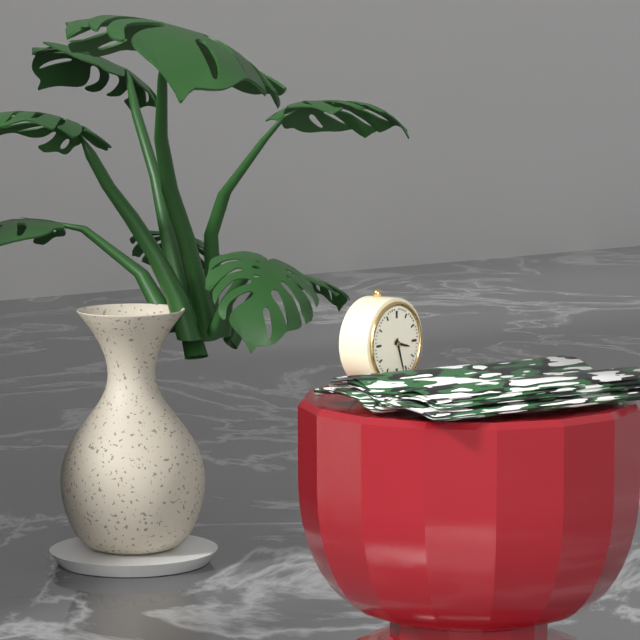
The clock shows 3h27
